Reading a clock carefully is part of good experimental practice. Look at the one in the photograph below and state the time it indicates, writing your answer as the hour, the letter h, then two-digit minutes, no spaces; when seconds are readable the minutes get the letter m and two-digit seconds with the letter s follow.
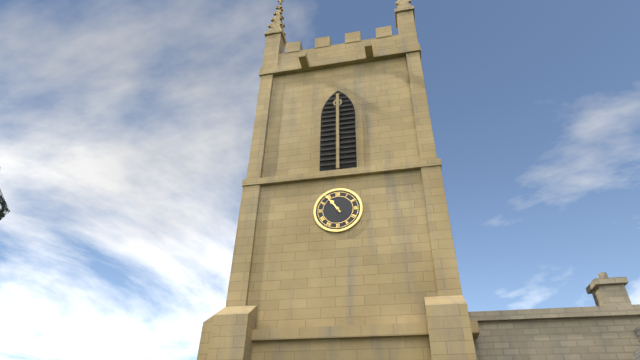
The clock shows 10h54
